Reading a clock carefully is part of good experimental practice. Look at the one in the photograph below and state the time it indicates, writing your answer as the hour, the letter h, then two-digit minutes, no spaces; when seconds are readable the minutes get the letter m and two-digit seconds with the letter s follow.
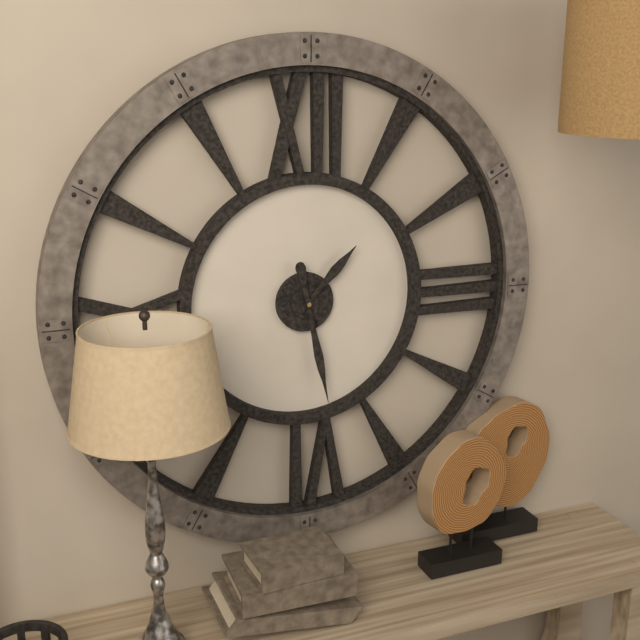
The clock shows 1h28
